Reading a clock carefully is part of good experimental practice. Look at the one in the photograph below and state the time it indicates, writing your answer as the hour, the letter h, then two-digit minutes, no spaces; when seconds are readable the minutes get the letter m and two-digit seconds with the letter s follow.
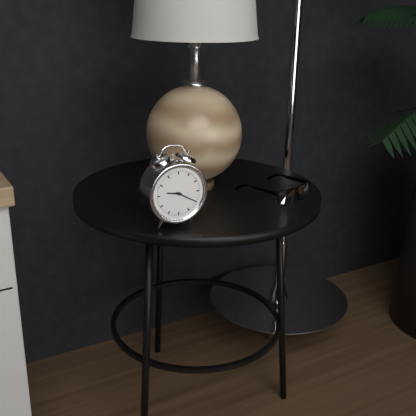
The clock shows 9h20
